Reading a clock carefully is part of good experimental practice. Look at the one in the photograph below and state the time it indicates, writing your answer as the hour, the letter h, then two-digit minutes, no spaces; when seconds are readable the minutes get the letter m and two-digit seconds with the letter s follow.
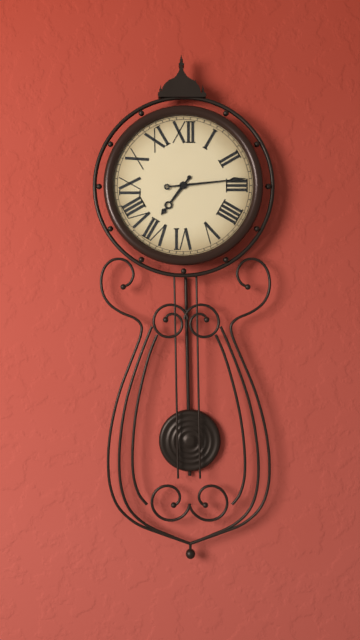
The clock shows 7h14
